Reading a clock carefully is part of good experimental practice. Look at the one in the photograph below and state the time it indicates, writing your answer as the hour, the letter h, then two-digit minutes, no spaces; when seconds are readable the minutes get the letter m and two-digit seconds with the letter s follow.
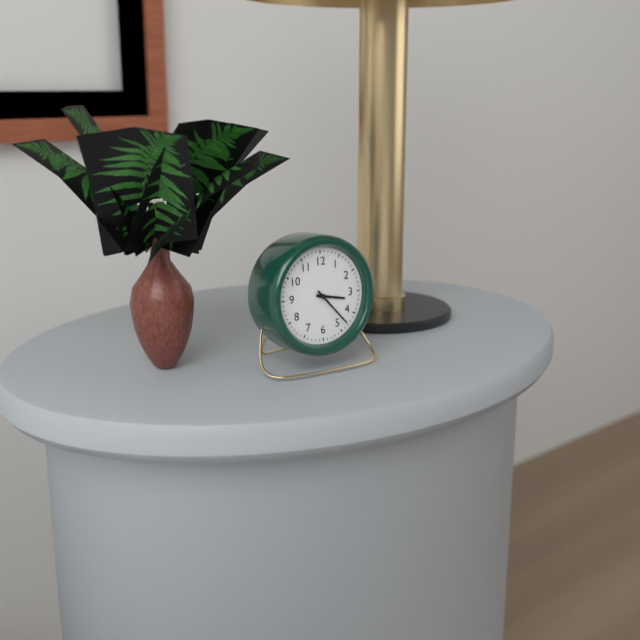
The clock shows 3h23
